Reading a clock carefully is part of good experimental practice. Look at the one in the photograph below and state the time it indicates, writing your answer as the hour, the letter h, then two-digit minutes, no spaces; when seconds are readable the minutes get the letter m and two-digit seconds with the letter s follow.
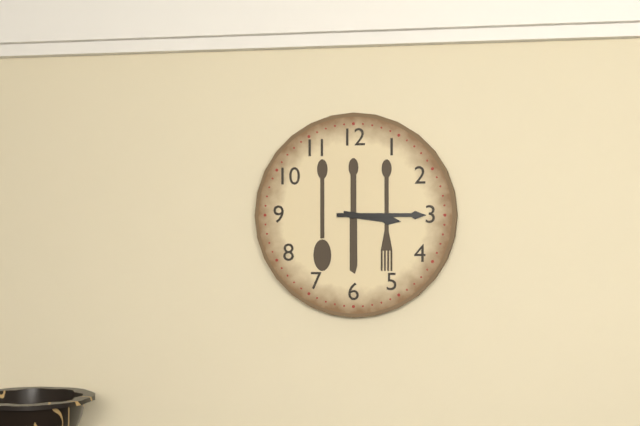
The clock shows 3h15
